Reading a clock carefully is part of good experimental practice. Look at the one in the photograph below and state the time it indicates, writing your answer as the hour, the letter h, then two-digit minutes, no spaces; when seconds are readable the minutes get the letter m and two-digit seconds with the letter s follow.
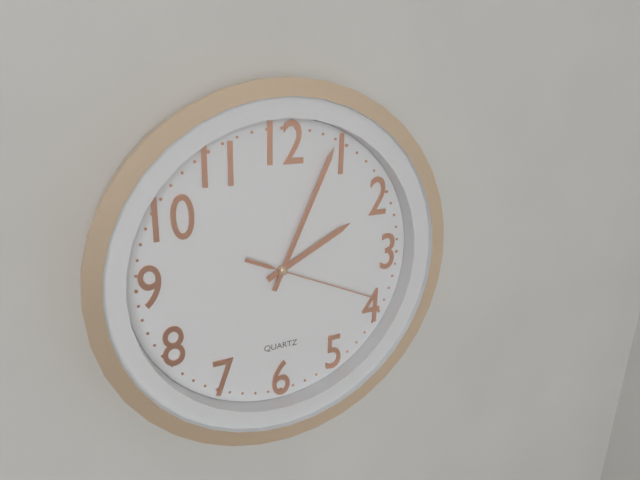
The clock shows 2h04m19s
